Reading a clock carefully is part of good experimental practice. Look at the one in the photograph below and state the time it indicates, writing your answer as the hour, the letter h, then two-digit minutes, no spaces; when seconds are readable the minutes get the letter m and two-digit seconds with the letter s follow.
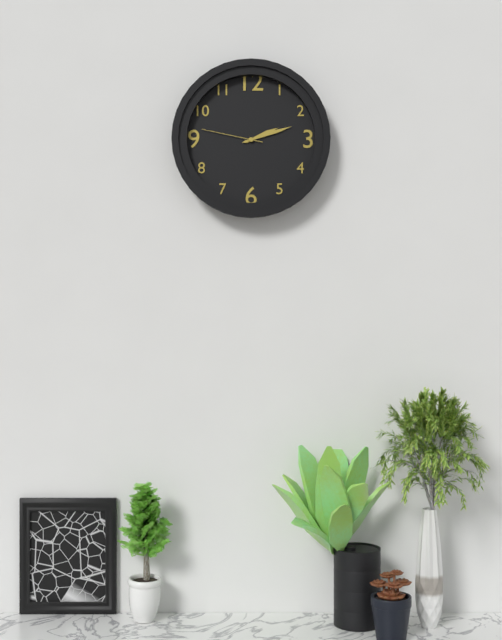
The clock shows 2h12m47s
